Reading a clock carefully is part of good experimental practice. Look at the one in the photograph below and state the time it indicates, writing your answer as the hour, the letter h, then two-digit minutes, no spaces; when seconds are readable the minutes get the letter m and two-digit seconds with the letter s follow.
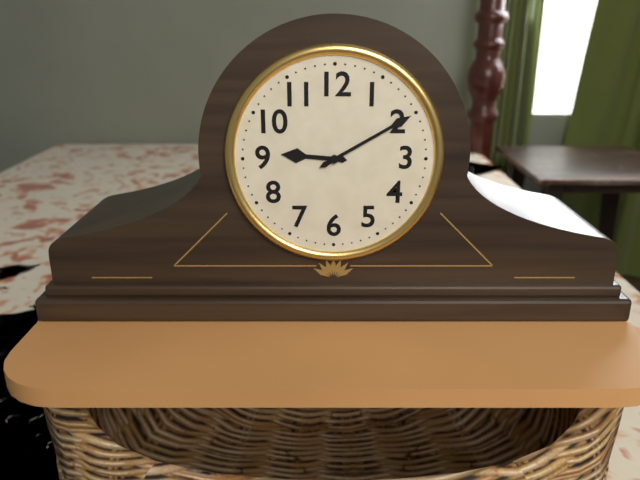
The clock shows 9h10
